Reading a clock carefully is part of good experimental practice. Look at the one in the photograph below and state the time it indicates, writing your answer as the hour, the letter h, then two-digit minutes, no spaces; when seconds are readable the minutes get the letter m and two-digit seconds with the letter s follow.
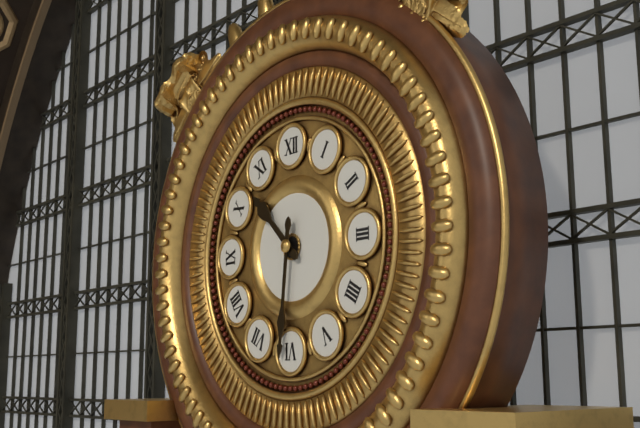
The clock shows 10h31
